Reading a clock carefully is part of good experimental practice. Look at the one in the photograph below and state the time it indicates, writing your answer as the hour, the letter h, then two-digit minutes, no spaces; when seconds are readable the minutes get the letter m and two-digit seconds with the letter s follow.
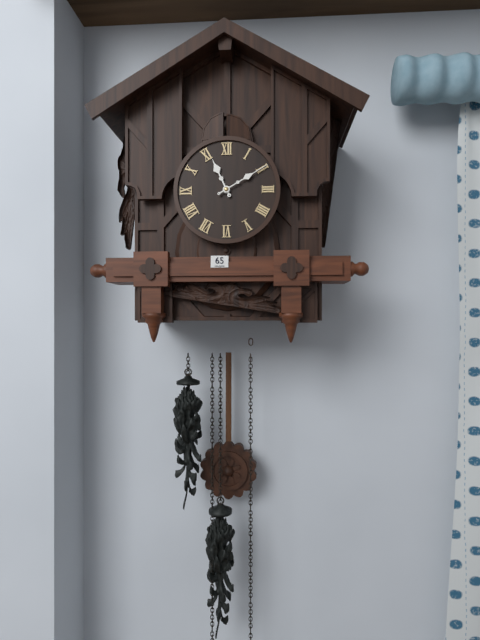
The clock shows 11h10
